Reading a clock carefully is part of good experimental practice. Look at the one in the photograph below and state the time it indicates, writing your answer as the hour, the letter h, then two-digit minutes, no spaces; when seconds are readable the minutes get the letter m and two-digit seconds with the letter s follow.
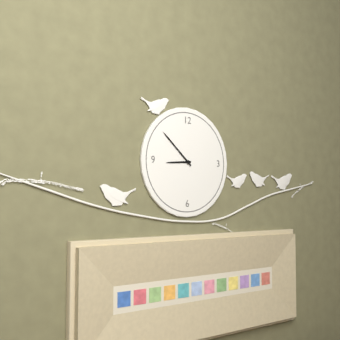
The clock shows 8h52
